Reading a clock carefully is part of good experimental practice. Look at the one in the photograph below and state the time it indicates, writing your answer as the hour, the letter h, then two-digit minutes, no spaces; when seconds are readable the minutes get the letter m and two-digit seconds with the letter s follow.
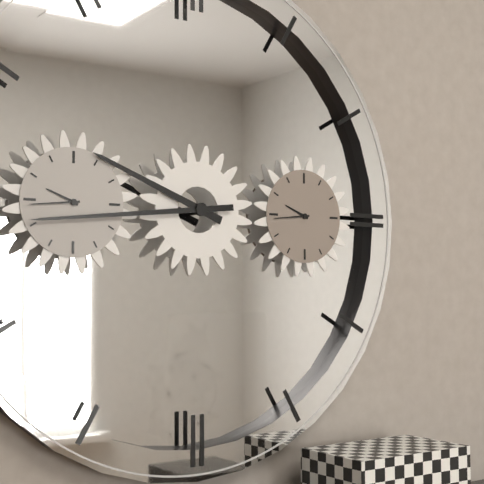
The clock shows 9h44
